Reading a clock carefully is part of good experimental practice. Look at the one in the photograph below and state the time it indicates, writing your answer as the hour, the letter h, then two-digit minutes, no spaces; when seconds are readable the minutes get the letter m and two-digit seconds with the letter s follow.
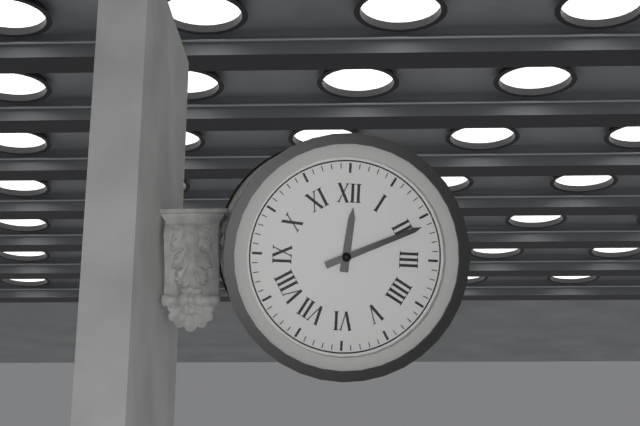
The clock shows 12h11
